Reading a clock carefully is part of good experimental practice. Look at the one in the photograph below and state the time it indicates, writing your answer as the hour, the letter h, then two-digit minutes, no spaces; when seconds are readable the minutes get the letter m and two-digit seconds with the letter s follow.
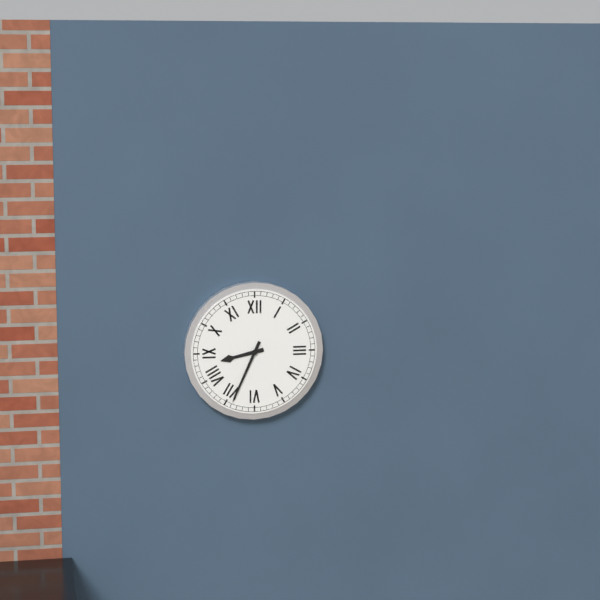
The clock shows 8h34
